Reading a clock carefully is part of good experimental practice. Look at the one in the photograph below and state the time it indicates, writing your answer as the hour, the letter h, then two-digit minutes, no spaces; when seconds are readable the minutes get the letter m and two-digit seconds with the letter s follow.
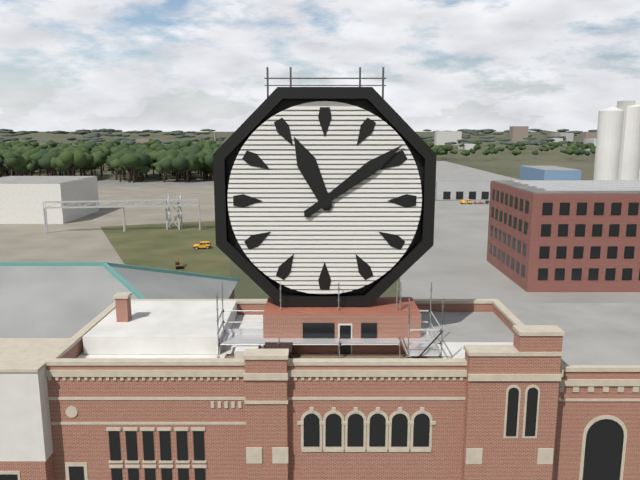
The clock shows 11h09
